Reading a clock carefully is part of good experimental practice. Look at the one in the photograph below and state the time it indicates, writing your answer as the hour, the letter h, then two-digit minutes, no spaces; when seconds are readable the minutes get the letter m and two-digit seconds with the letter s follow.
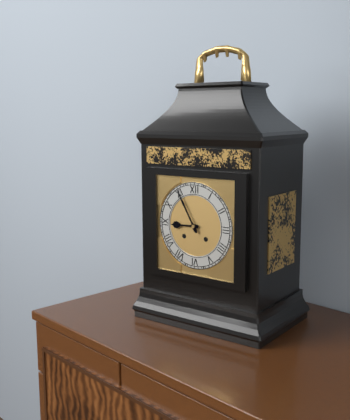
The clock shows 8h55
